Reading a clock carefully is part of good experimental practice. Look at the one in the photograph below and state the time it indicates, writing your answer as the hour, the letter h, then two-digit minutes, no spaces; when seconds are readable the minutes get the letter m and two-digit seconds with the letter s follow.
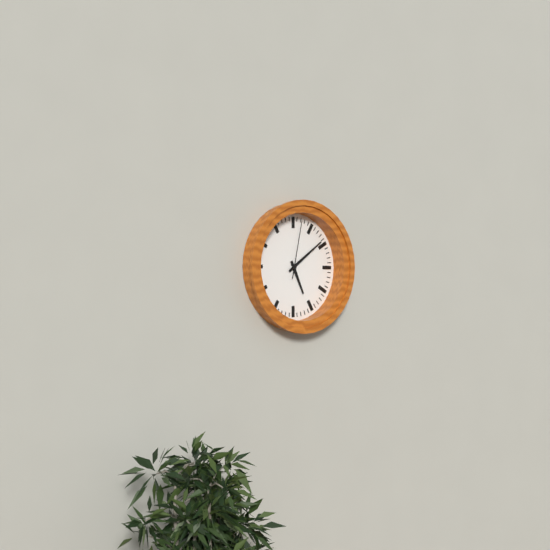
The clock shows 5h09m02s
